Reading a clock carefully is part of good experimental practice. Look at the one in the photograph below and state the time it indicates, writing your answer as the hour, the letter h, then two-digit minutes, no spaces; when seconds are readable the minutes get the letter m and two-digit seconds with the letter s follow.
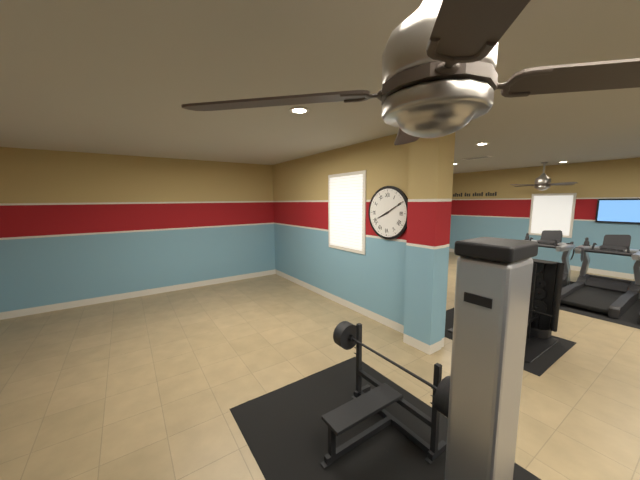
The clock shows 8h10
